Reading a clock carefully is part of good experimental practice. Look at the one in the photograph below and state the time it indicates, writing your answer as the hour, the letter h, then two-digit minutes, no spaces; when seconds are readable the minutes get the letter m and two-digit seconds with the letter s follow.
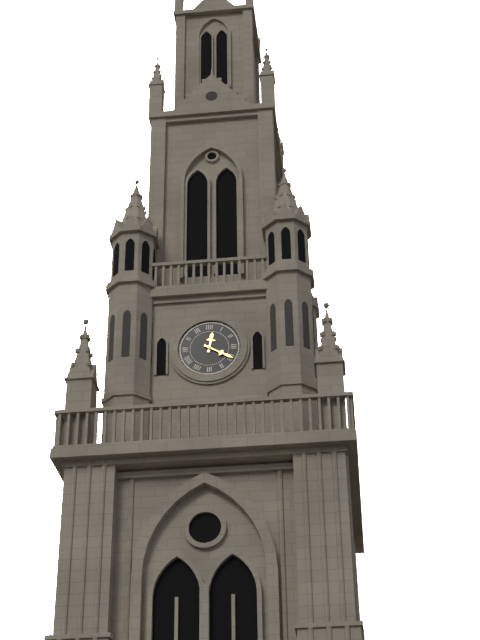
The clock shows 12h20
